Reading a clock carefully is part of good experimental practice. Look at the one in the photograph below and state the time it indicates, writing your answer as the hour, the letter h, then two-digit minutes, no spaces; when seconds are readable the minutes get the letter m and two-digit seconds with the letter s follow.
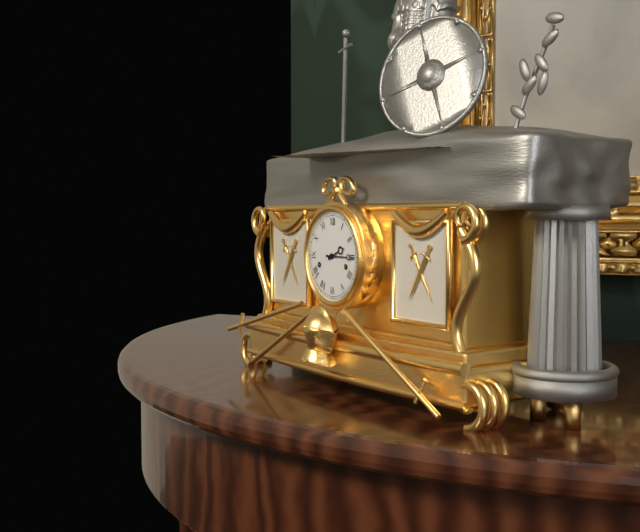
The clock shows 2h15
